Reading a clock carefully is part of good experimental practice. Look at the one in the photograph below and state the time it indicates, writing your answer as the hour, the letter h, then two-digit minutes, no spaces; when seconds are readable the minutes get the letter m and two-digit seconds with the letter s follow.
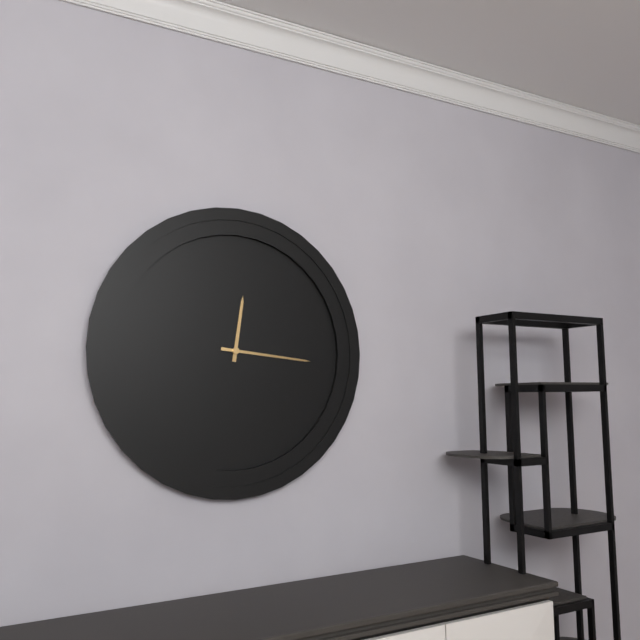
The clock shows 12h16
